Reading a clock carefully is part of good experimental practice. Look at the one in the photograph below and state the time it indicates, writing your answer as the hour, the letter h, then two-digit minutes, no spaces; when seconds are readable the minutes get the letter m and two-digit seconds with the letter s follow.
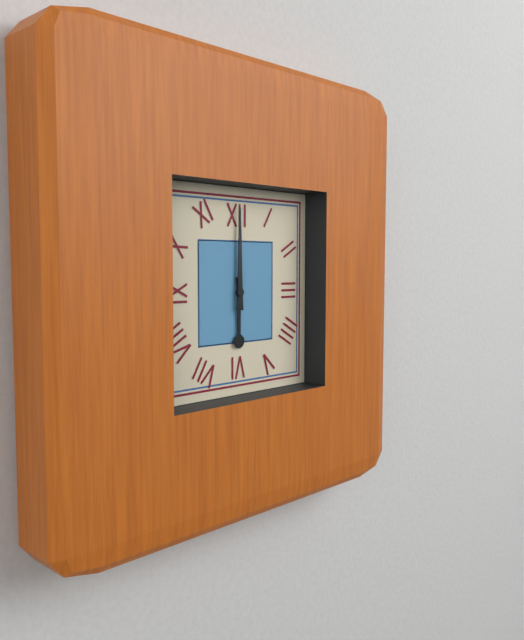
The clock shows 6h00
